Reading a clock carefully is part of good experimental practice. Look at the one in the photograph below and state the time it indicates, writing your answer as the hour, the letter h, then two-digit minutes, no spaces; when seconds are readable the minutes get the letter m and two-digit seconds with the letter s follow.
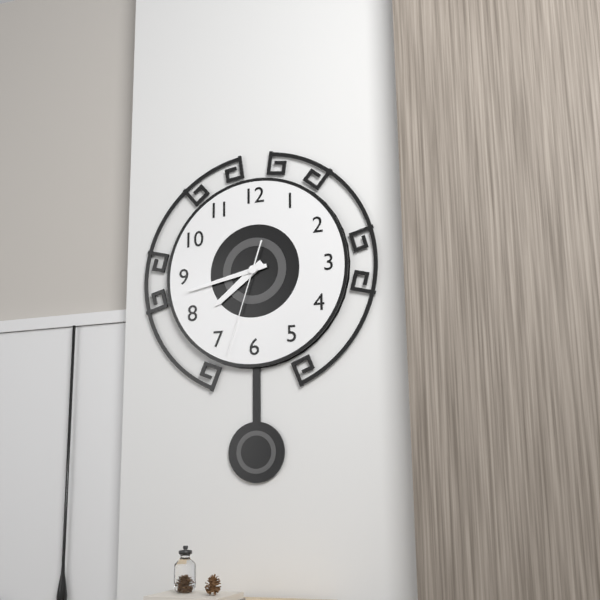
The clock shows 7h43m33s
